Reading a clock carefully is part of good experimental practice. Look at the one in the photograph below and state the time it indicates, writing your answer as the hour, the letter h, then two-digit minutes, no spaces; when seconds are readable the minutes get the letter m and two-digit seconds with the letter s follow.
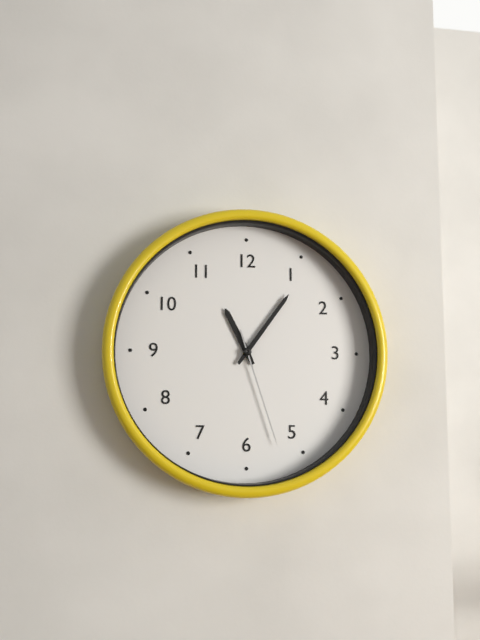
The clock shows 11h06m27s
